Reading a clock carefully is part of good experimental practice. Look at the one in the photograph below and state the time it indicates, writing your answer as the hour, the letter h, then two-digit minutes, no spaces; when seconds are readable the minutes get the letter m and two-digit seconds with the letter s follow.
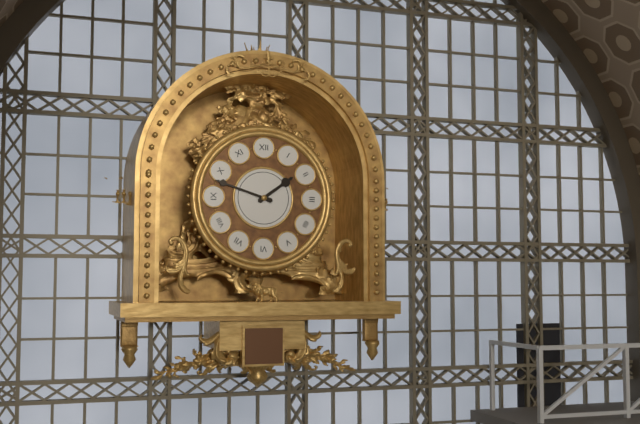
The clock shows 1h48
